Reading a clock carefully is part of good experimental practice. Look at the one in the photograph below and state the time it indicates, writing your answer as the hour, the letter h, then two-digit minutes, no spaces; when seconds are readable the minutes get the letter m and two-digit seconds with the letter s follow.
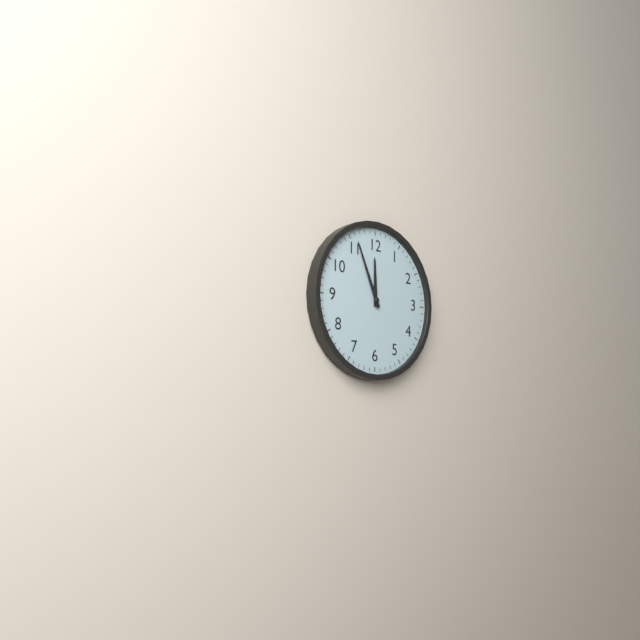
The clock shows 11h56
